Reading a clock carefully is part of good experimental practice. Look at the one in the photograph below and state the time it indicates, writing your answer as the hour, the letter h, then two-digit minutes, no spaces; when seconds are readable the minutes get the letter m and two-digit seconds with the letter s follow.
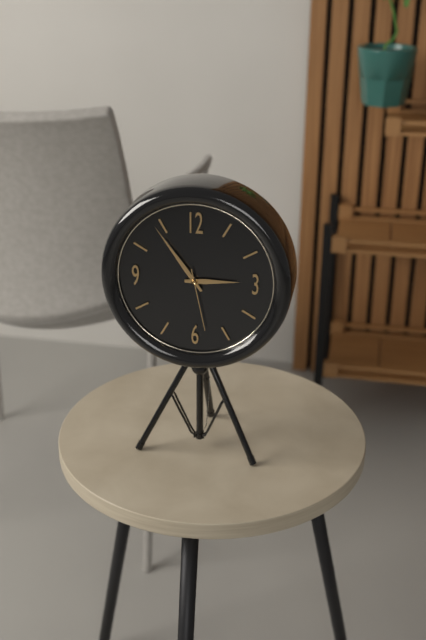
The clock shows 2h54m28s
